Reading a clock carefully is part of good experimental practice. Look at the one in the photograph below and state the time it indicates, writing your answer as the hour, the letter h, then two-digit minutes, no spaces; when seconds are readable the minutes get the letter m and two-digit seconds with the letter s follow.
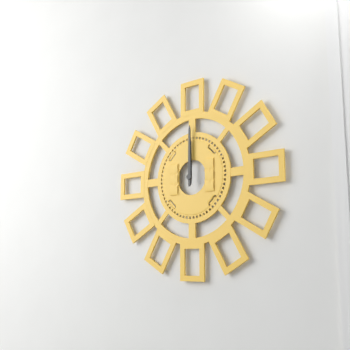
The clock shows 12h00
